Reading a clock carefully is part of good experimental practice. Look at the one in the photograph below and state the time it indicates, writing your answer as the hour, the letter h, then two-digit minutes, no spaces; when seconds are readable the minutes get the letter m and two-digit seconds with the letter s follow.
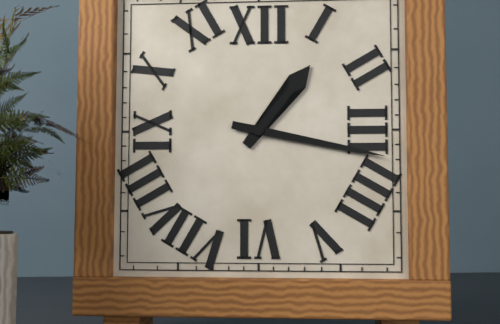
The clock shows 1h17
